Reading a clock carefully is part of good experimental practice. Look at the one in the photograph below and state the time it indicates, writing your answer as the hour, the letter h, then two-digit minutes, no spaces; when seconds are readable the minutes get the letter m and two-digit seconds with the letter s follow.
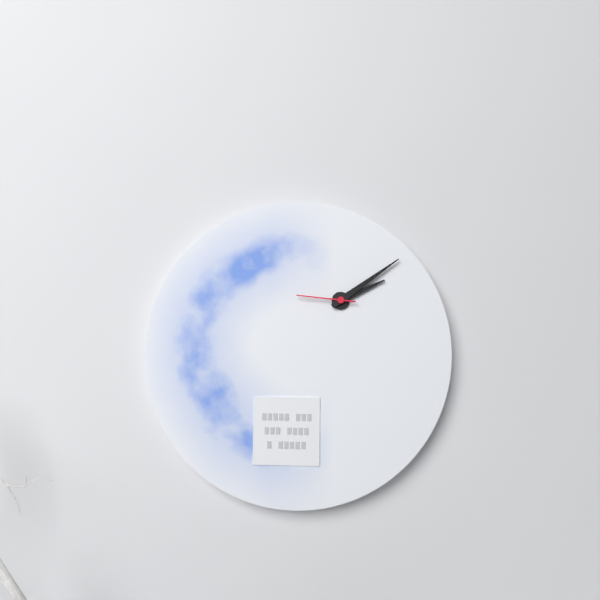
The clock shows 2h09m46s
